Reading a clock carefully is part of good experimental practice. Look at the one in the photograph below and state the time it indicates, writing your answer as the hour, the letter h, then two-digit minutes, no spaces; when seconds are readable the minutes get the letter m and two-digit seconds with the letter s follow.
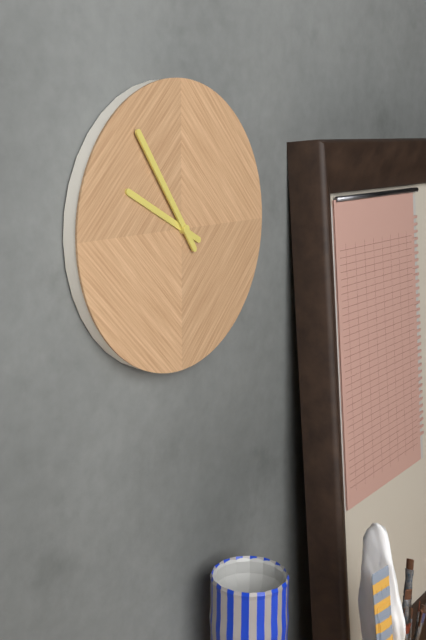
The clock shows 9h54
